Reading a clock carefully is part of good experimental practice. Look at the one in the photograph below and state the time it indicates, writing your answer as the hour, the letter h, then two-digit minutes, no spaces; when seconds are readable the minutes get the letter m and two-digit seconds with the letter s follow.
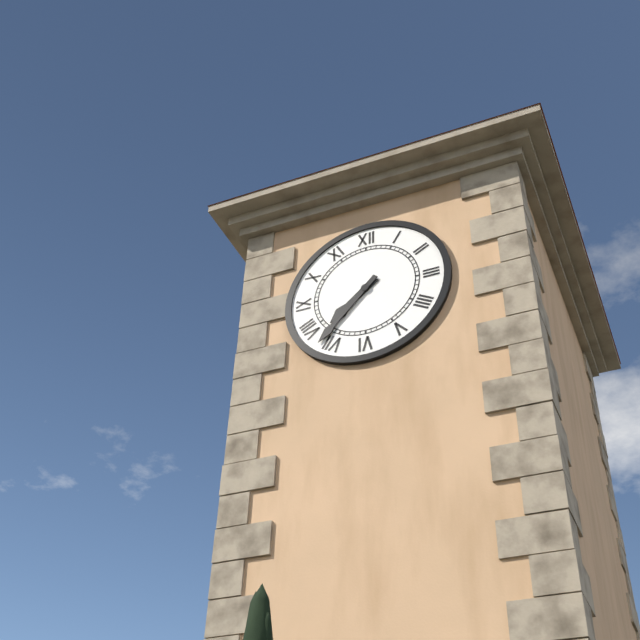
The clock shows 7h37
